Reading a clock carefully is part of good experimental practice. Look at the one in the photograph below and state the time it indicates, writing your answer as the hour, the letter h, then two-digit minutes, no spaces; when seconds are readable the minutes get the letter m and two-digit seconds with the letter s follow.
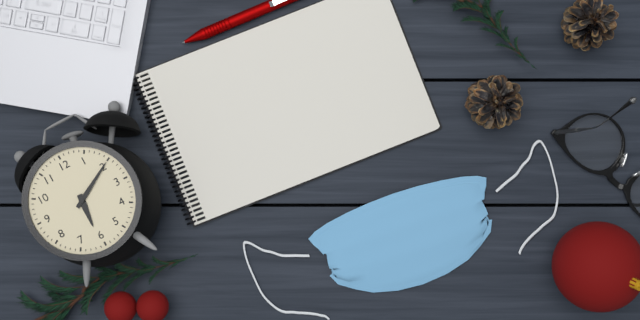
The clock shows 6h10
